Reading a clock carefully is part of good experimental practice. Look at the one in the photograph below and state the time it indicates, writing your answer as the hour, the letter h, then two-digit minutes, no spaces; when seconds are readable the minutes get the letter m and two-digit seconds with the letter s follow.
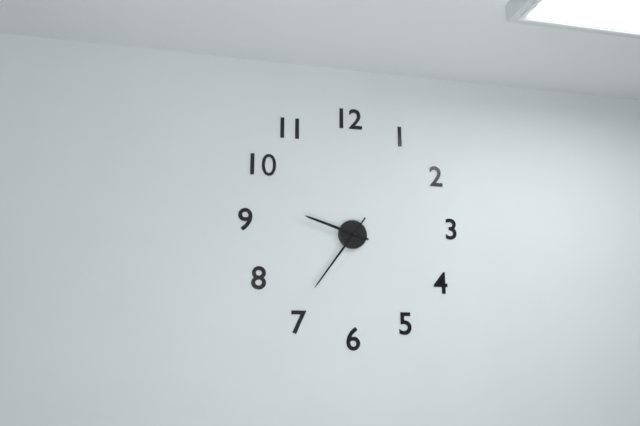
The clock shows 9h36
